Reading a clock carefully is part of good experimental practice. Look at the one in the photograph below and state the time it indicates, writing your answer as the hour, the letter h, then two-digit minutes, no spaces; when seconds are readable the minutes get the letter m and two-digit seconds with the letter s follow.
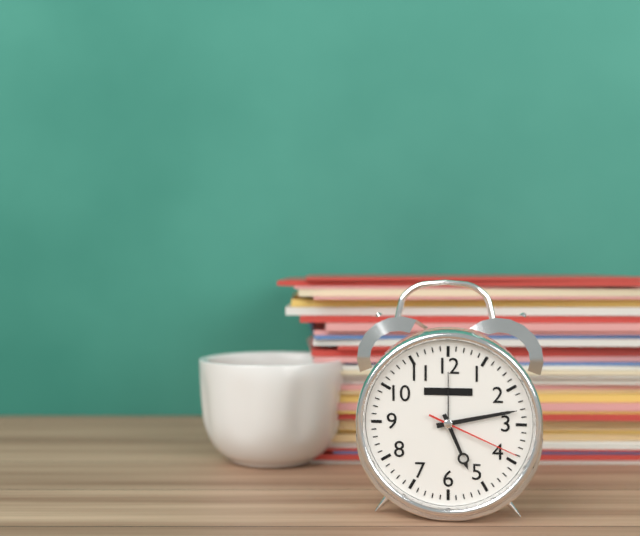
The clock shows 5h13m19s
